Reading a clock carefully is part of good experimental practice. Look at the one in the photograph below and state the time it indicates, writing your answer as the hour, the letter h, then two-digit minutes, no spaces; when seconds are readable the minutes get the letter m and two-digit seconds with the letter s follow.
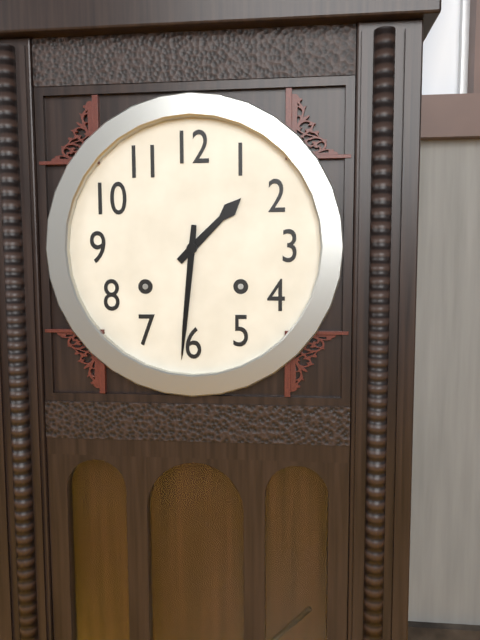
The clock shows 1h31
